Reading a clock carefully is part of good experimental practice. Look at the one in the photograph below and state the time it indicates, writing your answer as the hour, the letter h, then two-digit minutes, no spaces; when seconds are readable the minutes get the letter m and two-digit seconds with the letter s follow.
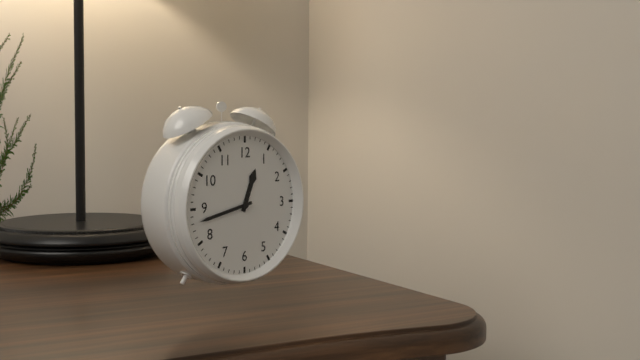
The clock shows 12h43
